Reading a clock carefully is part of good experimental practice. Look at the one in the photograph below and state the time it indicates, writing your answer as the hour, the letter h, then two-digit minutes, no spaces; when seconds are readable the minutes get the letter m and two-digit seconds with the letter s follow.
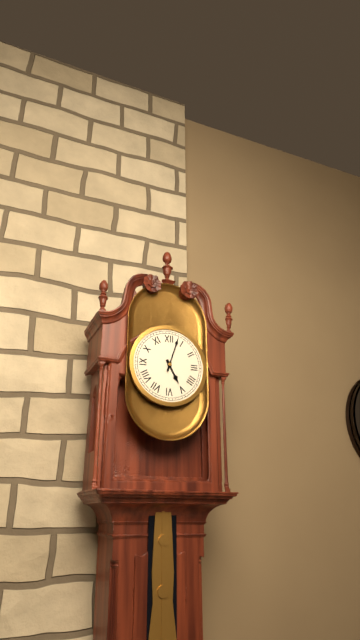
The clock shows 5h03
